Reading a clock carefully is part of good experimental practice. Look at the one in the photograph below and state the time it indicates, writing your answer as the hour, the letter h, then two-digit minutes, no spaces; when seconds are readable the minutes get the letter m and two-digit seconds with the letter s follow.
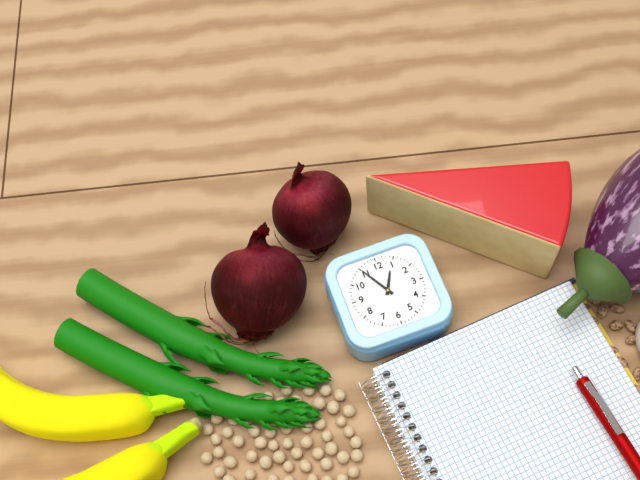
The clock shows 12h55
